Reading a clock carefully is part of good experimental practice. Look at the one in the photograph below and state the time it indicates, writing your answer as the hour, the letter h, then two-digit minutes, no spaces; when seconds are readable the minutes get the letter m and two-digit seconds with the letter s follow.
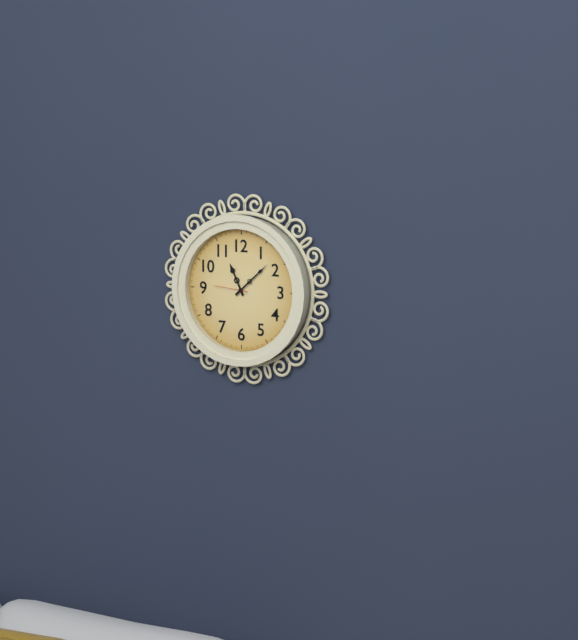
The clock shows 11h08
